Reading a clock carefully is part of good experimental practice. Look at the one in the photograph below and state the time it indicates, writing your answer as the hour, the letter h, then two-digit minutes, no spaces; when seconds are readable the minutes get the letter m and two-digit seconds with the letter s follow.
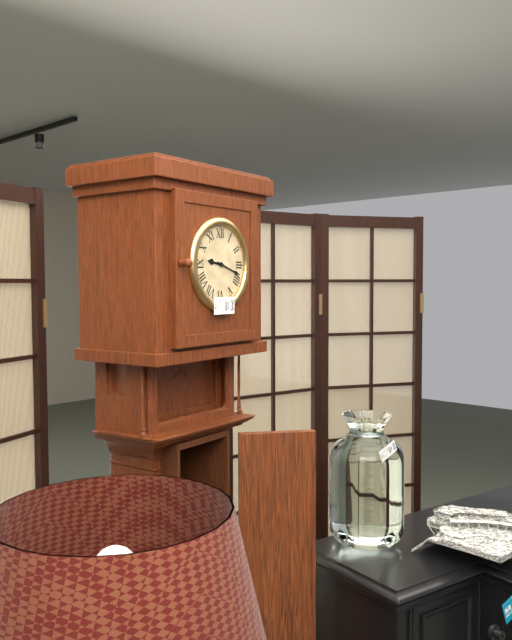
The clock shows 9h18
